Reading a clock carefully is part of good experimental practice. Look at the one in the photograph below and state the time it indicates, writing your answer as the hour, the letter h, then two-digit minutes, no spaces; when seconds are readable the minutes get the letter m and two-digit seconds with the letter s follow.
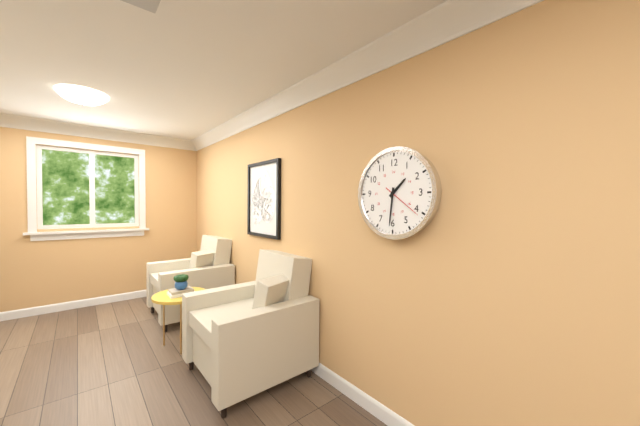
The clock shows 1h31
